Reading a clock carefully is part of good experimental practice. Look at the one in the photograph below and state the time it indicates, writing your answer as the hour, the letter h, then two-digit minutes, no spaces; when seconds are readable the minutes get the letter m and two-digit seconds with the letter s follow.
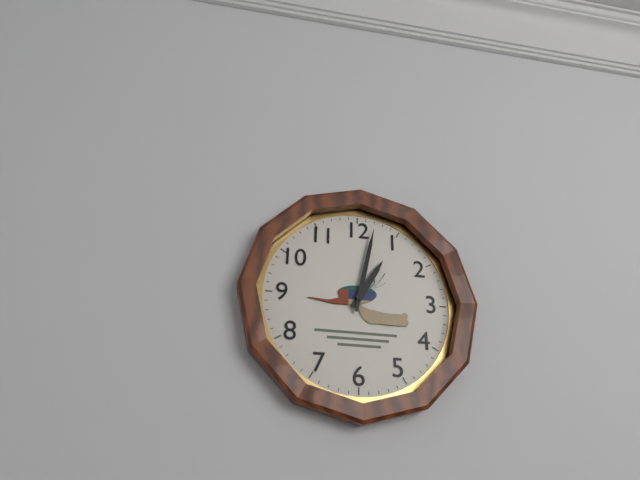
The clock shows 1h02
